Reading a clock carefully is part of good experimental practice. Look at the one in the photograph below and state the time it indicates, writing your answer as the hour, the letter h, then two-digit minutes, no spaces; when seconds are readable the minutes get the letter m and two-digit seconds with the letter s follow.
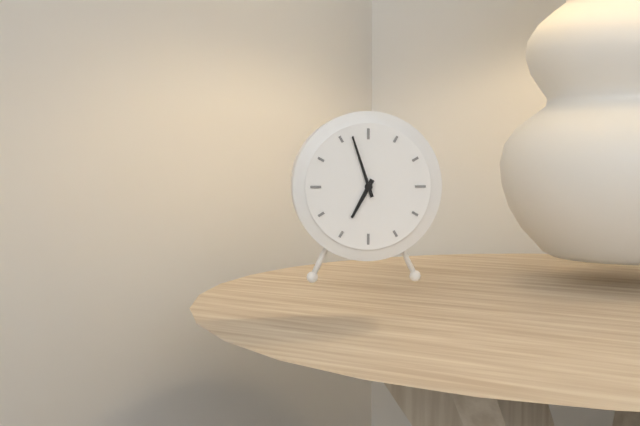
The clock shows 6h57
